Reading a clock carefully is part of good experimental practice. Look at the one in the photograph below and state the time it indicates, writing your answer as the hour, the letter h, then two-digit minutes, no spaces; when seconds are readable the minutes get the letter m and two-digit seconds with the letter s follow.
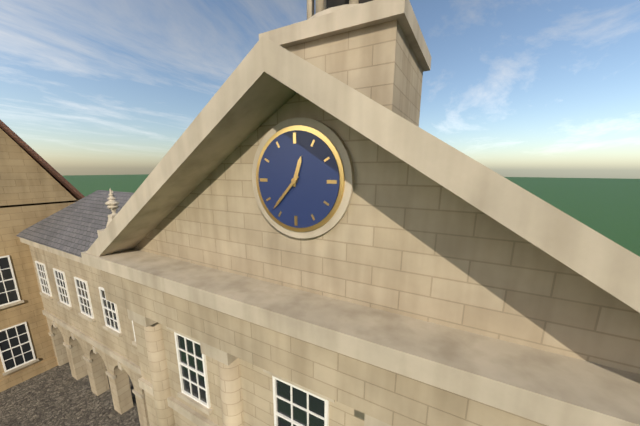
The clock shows 12h37
